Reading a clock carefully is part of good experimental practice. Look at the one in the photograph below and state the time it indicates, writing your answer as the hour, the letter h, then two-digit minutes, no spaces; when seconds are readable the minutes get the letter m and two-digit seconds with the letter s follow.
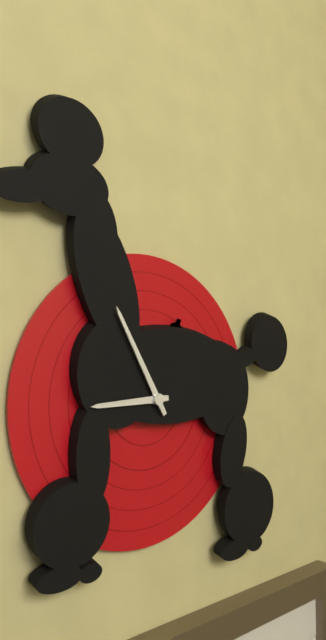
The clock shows 8h55
